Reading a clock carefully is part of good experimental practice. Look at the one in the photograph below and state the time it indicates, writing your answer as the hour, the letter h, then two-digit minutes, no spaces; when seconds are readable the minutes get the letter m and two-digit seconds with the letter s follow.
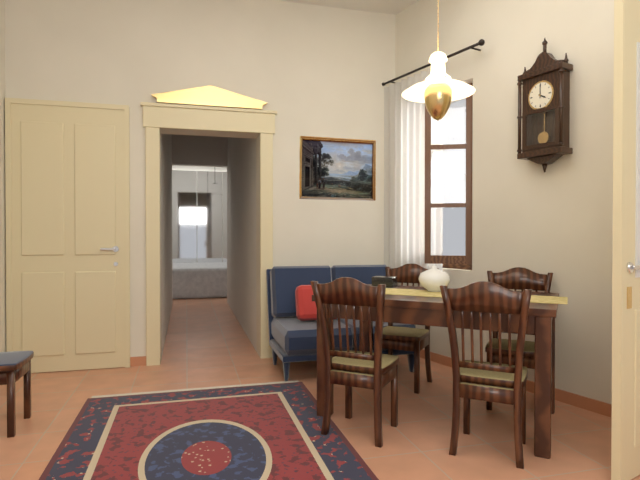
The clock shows 4h00
